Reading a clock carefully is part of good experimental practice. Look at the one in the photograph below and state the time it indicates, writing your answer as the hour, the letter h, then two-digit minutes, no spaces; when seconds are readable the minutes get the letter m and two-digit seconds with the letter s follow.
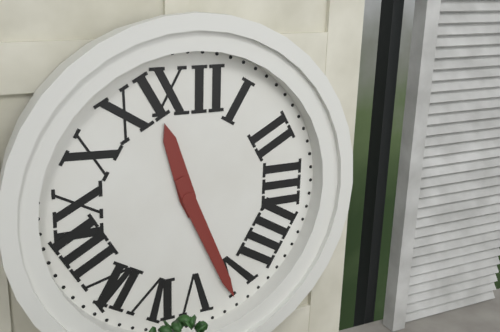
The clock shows 11h26
